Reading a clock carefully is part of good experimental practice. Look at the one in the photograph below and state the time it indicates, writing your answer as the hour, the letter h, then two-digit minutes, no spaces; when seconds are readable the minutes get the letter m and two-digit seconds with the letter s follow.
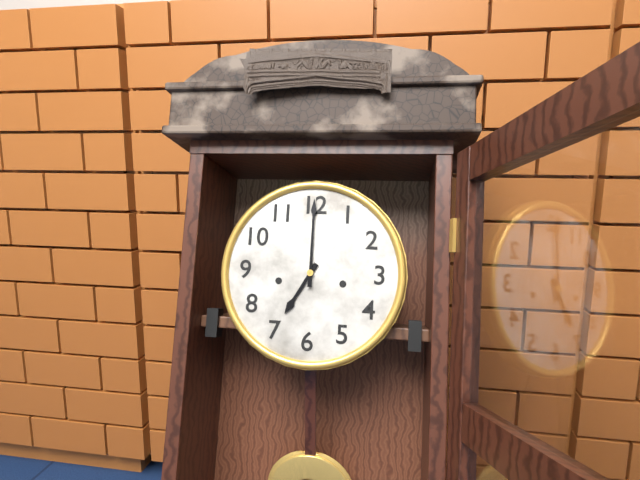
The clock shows 7h00
